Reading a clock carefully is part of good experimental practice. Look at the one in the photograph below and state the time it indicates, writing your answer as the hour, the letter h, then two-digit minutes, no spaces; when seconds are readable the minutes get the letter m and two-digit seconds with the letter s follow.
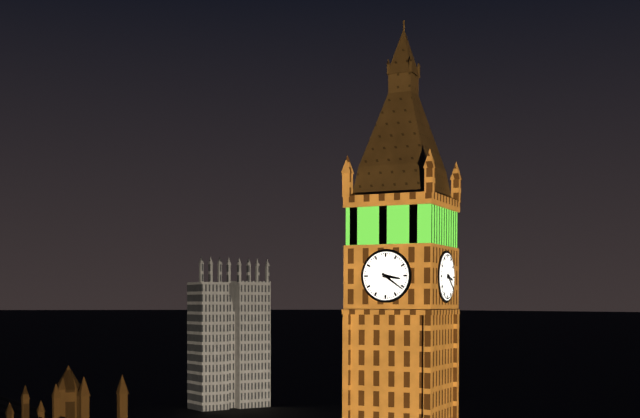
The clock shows 3h21
